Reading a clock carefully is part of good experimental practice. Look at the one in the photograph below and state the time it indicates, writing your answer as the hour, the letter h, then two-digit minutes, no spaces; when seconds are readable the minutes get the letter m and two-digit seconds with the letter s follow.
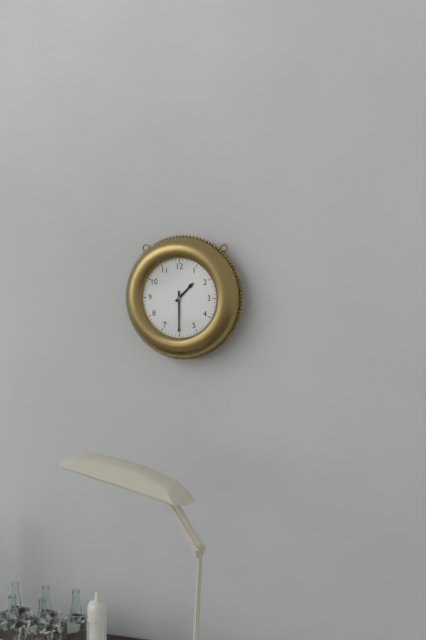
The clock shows 1h30
